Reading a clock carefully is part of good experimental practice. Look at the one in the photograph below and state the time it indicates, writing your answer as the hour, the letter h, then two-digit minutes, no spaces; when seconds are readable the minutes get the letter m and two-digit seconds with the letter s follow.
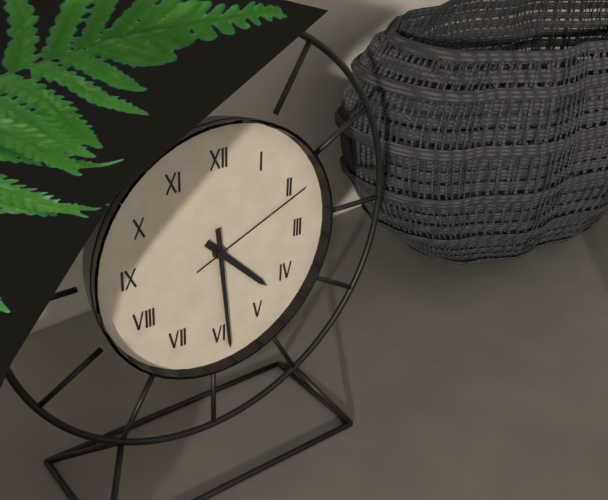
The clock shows 4h29m11s
